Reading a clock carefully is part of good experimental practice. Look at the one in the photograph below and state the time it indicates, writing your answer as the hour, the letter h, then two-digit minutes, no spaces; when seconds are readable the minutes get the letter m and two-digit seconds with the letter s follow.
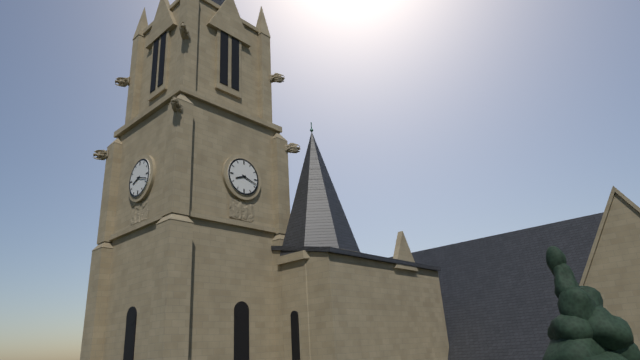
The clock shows 8h18
